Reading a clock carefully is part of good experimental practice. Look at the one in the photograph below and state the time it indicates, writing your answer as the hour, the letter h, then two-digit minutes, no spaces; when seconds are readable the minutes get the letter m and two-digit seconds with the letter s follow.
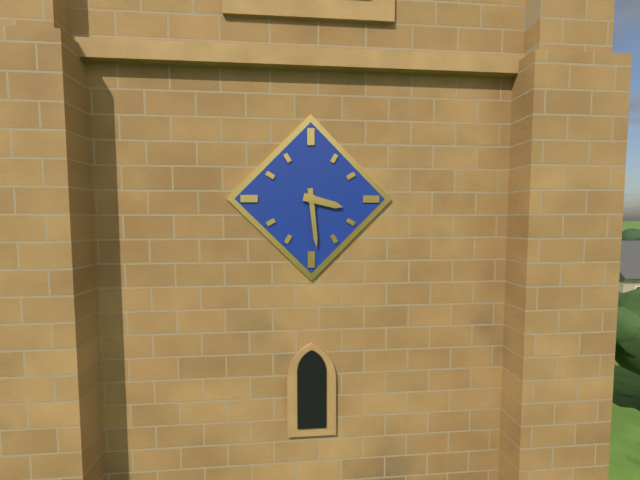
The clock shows 3h29
